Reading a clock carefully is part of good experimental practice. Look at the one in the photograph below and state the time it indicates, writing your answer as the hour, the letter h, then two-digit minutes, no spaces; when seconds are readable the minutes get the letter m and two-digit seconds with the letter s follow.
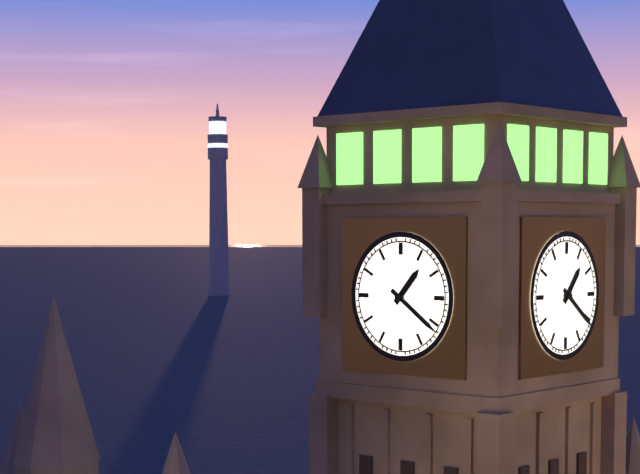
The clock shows 1h21
